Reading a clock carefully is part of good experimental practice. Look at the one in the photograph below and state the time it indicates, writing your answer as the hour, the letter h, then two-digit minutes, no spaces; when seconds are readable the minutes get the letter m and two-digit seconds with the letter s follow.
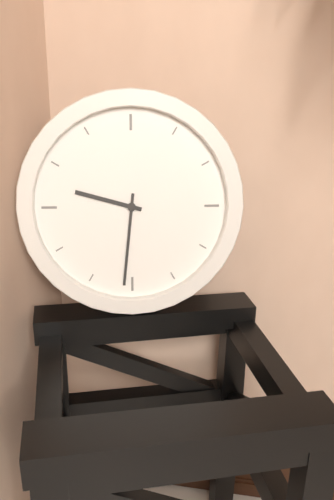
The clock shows 9h31
